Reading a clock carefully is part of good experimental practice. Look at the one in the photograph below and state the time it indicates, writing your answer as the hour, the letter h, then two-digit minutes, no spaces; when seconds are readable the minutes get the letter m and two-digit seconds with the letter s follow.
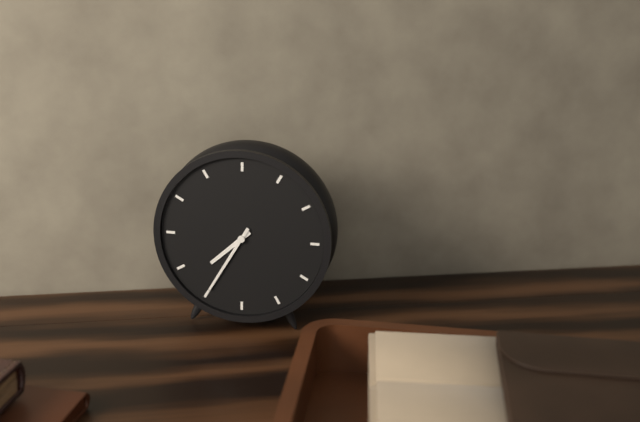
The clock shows 7h35
